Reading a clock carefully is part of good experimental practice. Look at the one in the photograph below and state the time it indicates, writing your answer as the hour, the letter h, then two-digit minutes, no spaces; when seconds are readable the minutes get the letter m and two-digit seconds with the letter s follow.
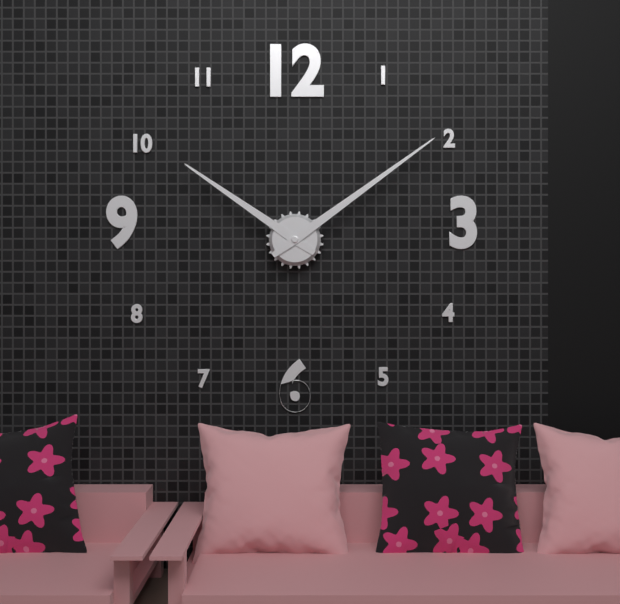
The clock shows 10h09
